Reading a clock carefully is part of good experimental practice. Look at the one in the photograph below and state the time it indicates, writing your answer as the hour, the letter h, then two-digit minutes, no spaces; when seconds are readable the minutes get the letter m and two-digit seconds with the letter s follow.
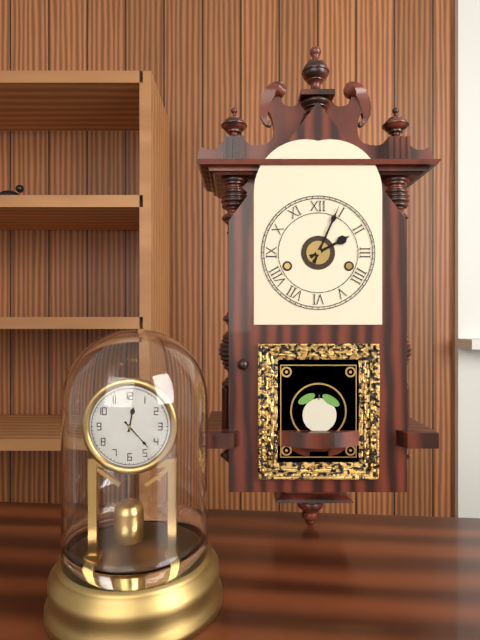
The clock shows 2h04
